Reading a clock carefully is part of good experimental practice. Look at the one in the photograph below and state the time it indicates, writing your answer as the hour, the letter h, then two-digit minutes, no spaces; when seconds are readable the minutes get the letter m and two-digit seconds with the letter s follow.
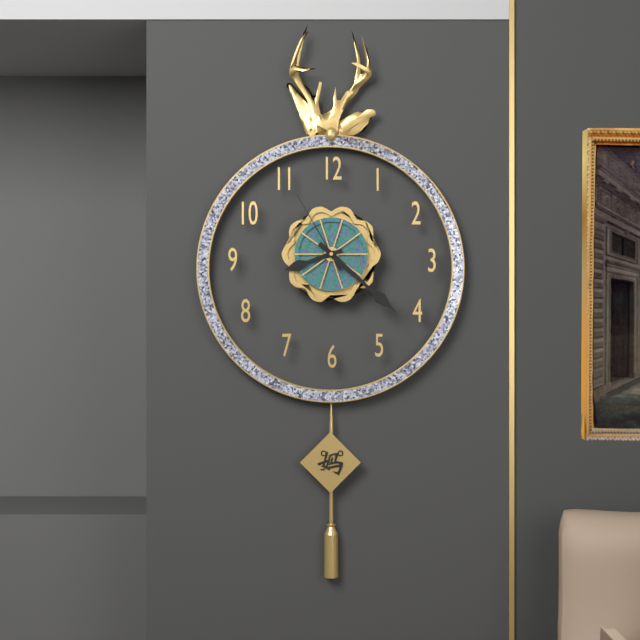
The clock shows 8h22m55s
